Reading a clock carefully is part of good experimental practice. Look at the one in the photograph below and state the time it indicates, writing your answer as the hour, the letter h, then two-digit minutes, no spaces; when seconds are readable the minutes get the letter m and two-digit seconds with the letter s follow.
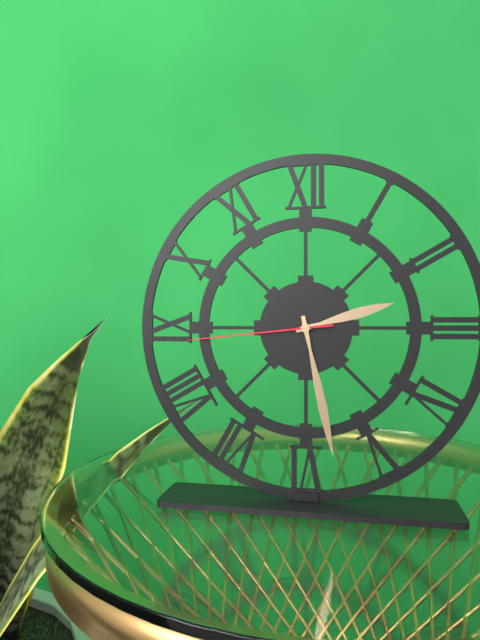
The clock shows 2h28m44s
